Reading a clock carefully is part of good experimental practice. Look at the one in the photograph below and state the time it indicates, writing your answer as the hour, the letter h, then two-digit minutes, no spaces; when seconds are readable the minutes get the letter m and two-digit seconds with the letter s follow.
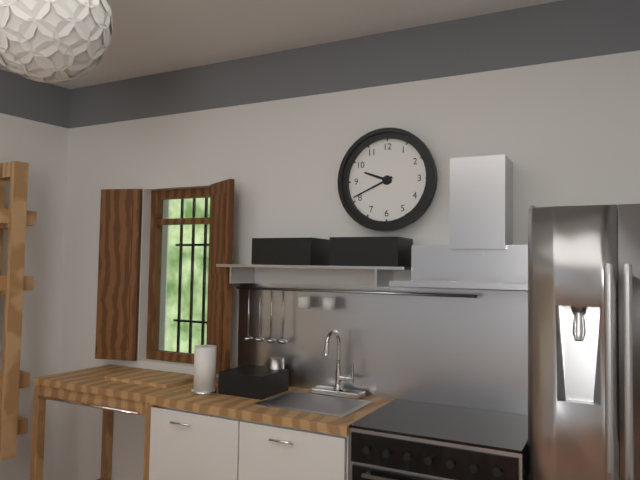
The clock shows 9h41
